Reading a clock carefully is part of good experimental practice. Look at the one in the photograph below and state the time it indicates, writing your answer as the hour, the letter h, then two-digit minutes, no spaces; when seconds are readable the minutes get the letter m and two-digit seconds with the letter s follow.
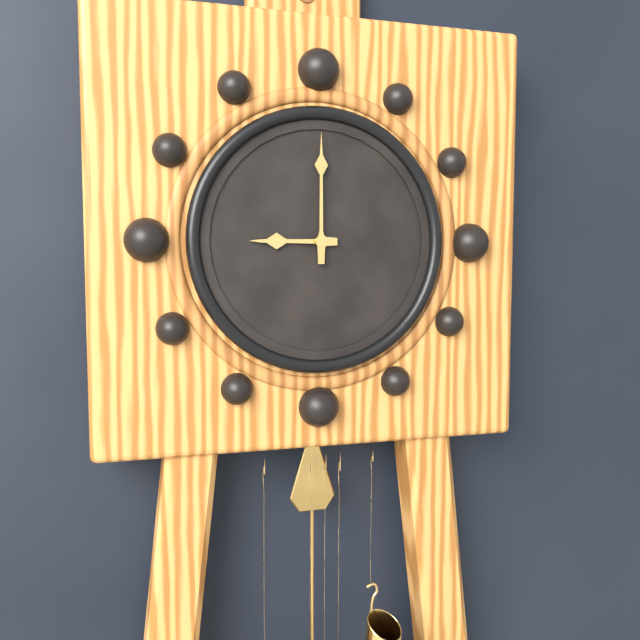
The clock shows 9h00
